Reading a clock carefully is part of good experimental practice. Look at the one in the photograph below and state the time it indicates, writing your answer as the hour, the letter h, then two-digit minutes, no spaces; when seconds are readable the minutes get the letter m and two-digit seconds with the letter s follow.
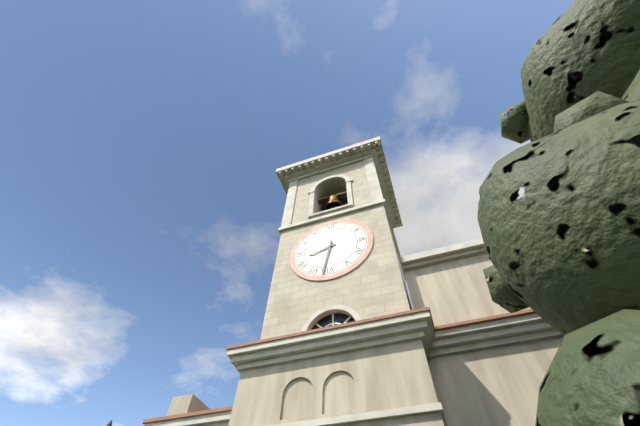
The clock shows 8h32
